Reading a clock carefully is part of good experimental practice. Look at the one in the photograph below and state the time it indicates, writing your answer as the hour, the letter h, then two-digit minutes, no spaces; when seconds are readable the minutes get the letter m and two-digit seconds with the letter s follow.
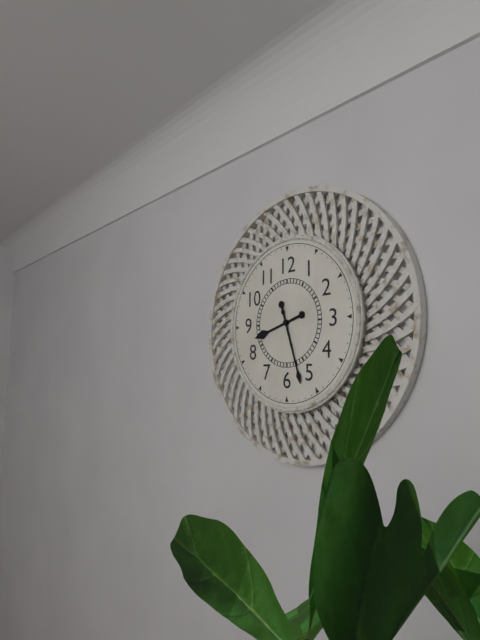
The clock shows 8h27
